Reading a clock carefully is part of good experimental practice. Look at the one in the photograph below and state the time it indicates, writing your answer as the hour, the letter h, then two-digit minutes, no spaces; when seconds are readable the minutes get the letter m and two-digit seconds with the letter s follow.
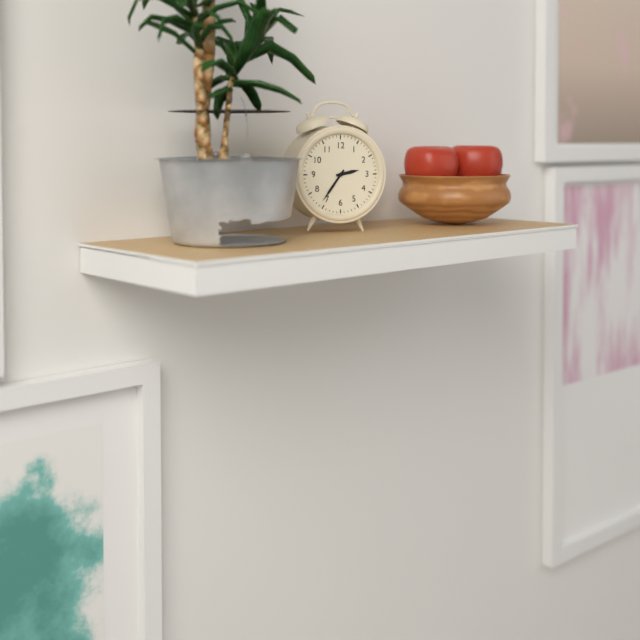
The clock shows 2h36
